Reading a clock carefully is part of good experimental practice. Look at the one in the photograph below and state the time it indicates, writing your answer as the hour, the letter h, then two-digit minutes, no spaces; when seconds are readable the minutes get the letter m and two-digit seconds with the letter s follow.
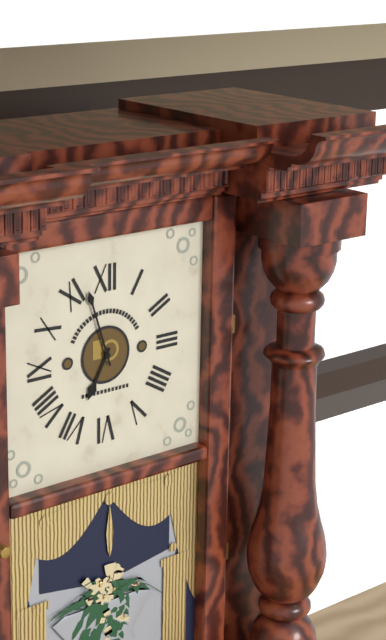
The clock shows 6h57
